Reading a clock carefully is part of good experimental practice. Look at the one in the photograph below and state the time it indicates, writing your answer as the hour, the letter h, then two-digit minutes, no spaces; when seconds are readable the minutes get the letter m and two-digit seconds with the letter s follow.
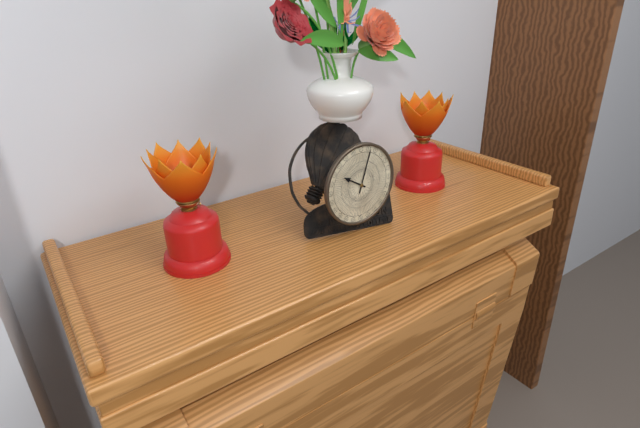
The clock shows 10h03
